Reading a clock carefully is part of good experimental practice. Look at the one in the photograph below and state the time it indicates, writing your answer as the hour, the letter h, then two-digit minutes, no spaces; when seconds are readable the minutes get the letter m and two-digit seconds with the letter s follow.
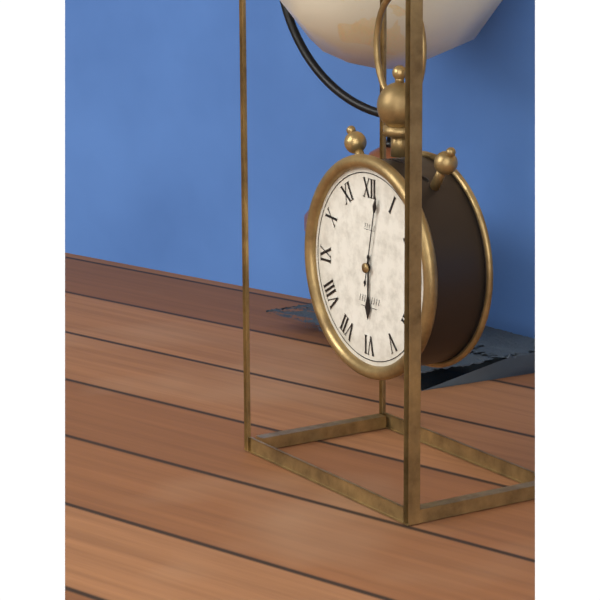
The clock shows 6h02
